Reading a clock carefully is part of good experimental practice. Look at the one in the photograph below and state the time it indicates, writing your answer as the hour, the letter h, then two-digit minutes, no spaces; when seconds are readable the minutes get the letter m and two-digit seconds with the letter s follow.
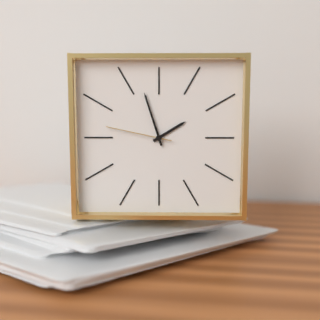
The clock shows 1h57m47s
